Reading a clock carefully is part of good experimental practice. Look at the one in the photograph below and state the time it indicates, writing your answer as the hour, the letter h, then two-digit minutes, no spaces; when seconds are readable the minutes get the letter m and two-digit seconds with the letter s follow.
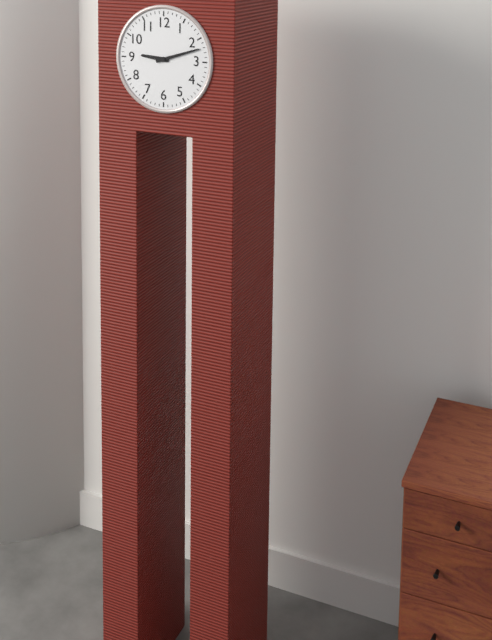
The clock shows 9h12
